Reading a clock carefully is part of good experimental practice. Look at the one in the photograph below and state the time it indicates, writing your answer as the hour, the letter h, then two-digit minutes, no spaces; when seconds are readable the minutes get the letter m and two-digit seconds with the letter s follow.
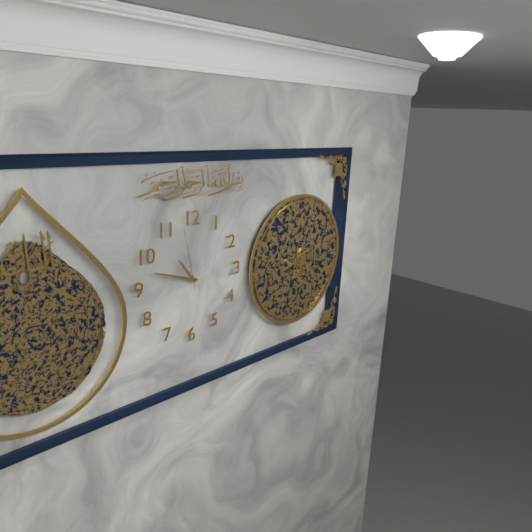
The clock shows 10h48m58s
